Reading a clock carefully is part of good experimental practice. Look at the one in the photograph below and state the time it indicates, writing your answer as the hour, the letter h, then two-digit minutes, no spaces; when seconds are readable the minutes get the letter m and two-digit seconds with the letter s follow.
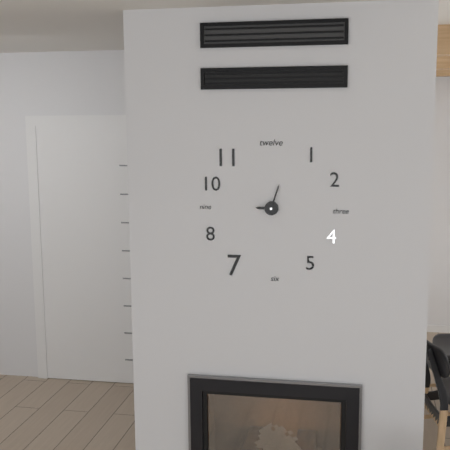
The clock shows 9h03
